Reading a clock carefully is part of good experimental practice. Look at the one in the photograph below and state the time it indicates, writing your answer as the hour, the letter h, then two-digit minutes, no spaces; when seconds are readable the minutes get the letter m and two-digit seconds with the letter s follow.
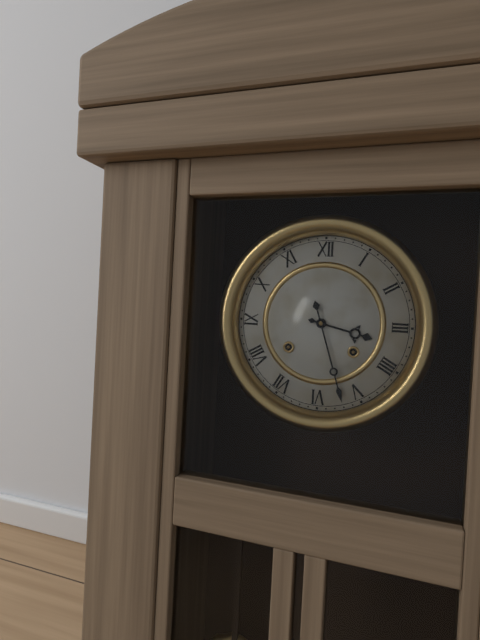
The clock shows 3h27
